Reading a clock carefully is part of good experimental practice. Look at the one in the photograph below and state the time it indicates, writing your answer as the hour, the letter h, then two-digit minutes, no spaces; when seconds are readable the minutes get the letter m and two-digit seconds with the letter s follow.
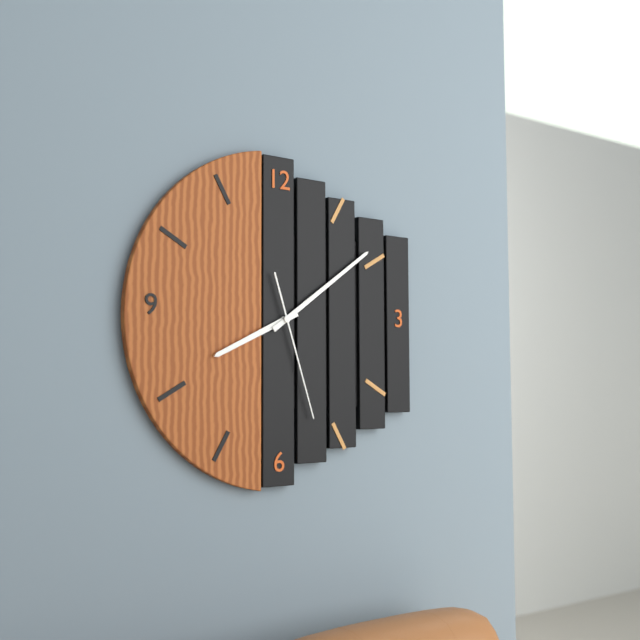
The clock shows 8h09m27s
